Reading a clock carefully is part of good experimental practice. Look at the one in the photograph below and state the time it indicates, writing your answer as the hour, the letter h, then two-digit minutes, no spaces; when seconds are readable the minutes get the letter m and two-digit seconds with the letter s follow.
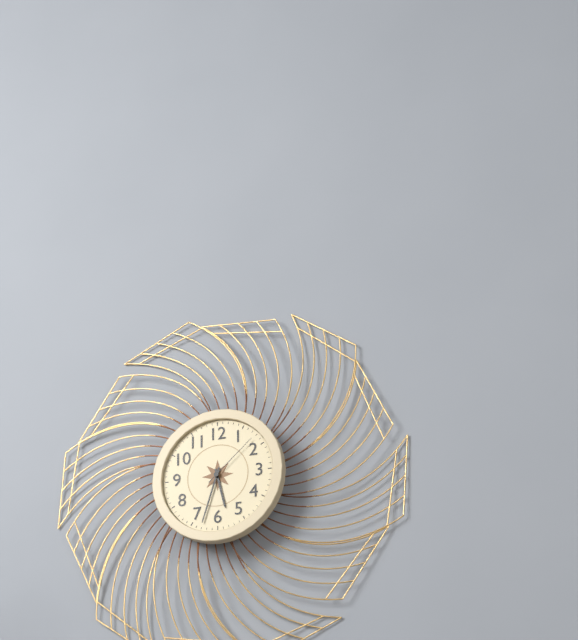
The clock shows 5h33m08s
